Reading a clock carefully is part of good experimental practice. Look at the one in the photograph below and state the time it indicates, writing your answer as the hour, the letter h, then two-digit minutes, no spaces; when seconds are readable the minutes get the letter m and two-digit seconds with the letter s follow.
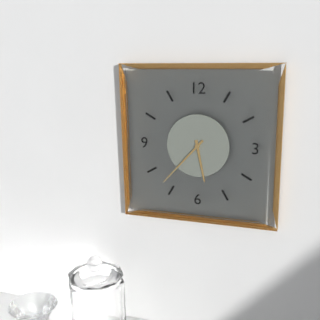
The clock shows 5h37
